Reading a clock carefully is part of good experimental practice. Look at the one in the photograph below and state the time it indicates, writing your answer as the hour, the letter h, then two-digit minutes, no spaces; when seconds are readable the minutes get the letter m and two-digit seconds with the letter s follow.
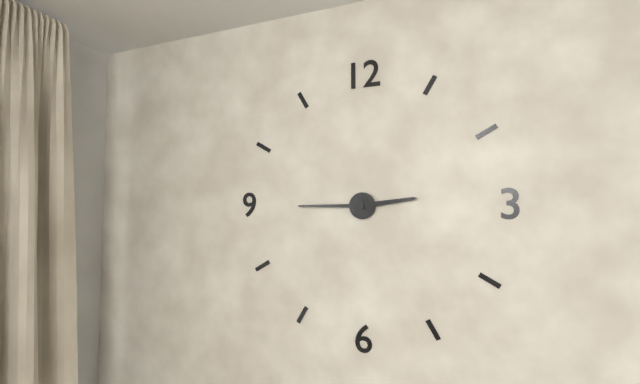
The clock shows 2h45
